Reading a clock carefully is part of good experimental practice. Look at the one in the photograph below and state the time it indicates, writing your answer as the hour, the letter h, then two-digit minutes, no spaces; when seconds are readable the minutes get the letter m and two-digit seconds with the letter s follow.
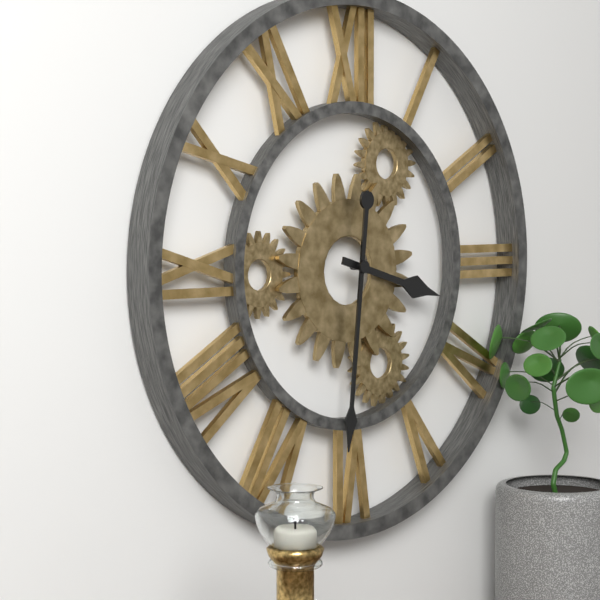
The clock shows 3h31
